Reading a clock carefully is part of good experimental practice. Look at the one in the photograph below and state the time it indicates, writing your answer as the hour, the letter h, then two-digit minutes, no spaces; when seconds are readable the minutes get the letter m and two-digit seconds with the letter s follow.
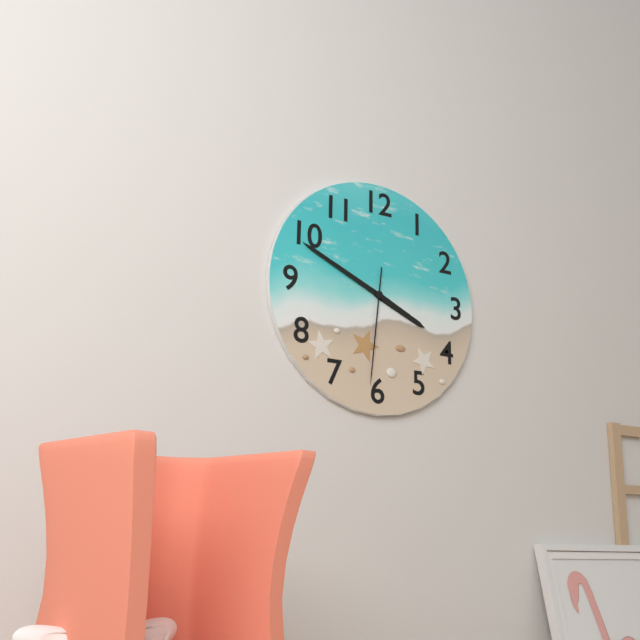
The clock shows 3h49m31s
